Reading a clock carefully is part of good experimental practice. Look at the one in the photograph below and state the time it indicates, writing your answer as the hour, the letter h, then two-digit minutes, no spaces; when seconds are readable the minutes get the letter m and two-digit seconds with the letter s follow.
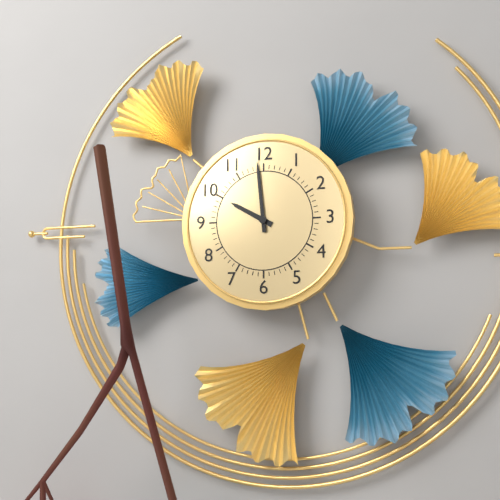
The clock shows 9h59
